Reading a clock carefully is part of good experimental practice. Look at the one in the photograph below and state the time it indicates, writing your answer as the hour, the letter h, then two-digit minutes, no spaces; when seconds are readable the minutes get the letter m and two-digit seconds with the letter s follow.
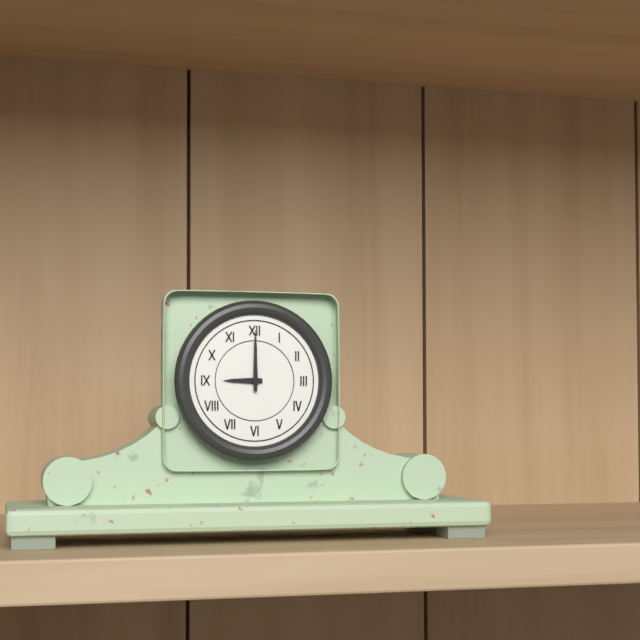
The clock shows 9h00
